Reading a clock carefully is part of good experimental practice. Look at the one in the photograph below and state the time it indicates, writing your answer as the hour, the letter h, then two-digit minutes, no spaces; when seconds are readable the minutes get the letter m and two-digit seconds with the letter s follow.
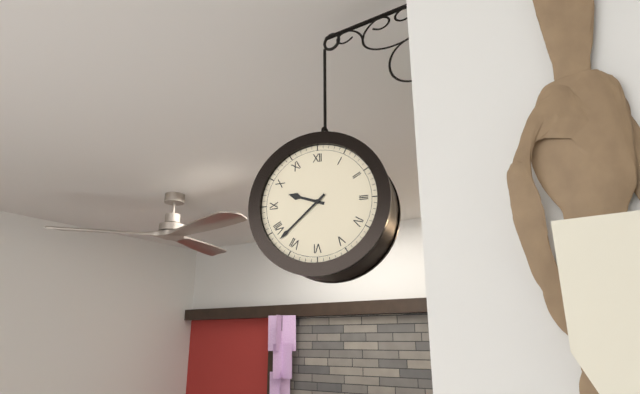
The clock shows 9h38
